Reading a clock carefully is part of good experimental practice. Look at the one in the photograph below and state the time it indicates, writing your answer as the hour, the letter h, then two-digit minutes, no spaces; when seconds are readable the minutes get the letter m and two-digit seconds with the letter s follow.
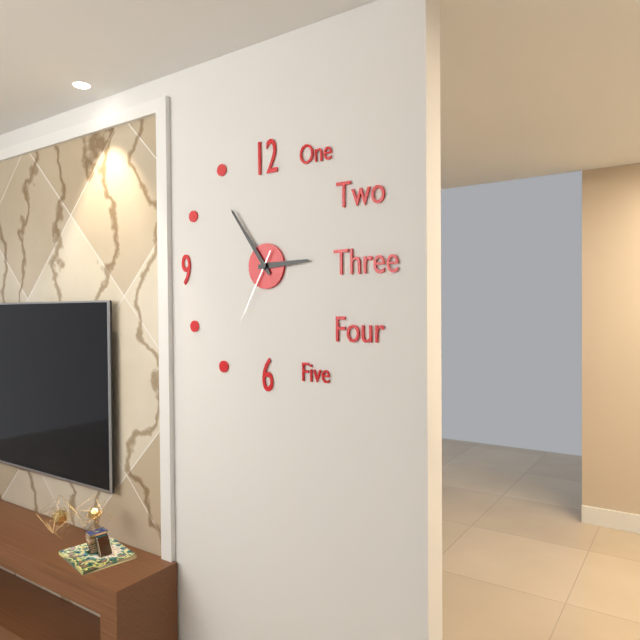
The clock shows 2h54m35s
